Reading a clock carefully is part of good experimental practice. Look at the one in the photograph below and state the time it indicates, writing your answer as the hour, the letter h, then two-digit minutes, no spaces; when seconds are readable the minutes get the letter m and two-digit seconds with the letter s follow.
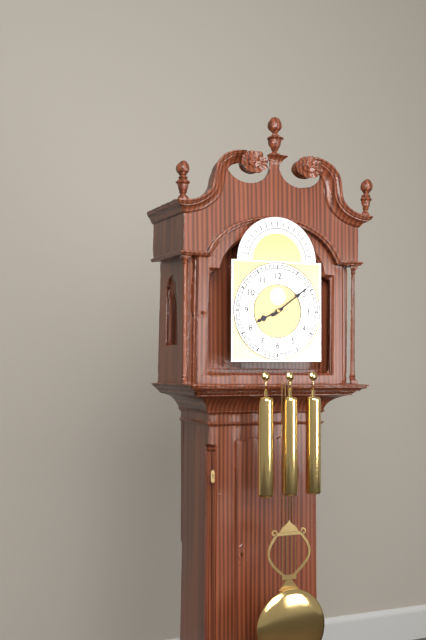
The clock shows 8h09
